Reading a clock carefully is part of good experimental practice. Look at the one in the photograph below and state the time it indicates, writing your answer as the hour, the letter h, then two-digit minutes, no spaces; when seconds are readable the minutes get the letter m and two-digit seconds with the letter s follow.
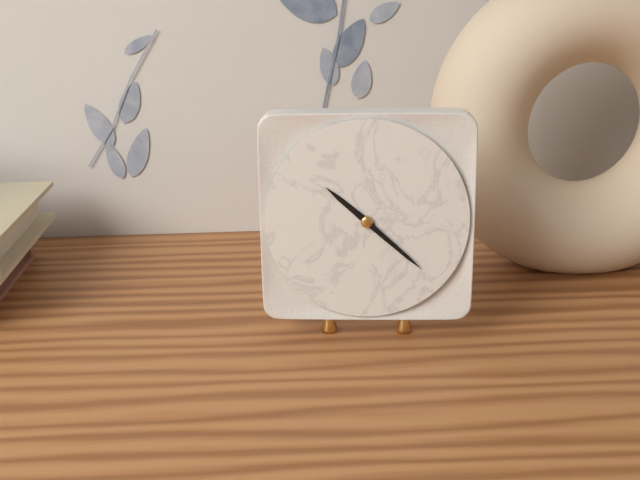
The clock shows 10h22
